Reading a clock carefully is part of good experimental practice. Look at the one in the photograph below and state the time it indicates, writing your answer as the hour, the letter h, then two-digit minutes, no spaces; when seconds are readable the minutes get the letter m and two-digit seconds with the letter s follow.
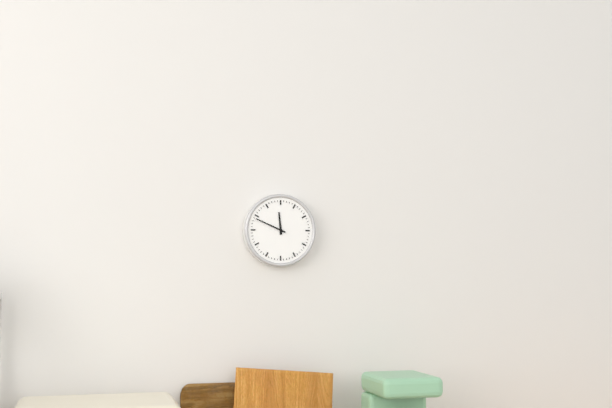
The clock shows 11h49
